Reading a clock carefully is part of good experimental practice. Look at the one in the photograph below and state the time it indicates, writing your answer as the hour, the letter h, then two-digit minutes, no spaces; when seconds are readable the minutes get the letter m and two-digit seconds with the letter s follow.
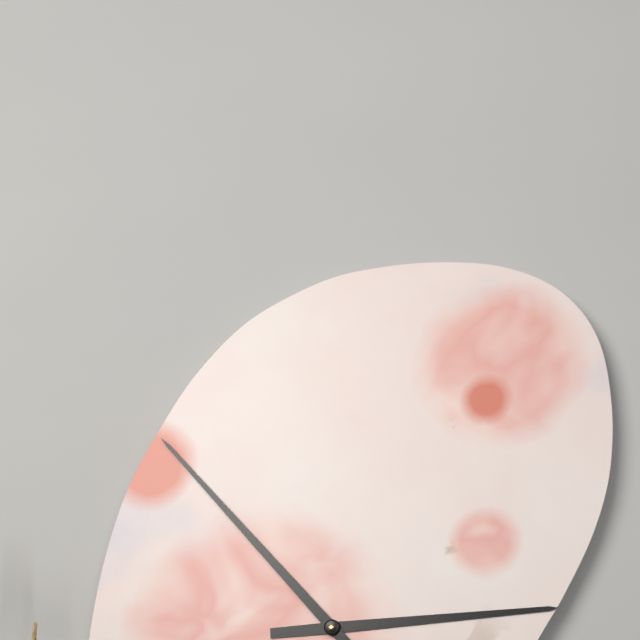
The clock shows 2h53
